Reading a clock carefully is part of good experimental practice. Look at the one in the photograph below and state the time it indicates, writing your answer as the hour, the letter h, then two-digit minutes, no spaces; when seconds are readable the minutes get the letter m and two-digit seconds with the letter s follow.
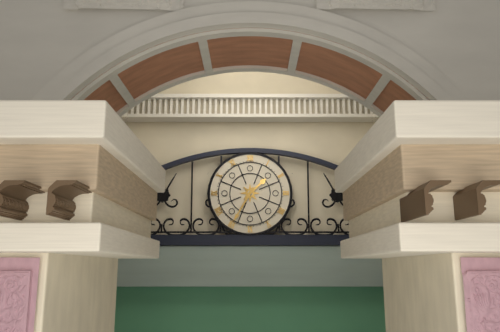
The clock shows 1h35
